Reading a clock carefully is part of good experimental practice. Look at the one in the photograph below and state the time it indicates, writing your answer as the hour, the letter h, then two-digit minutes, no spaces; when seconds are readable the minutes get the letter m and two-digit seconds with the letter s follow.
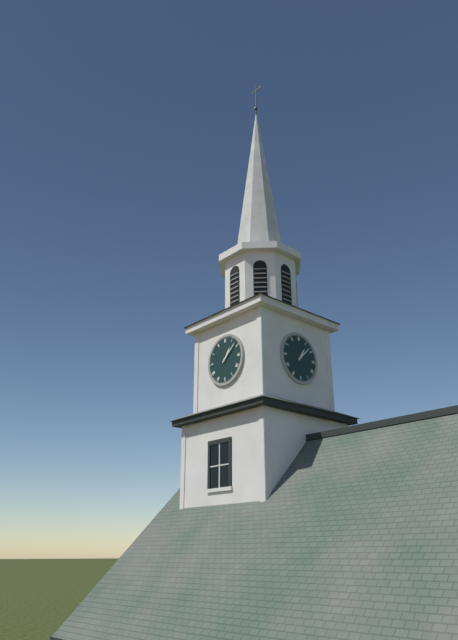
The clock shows 1h08
